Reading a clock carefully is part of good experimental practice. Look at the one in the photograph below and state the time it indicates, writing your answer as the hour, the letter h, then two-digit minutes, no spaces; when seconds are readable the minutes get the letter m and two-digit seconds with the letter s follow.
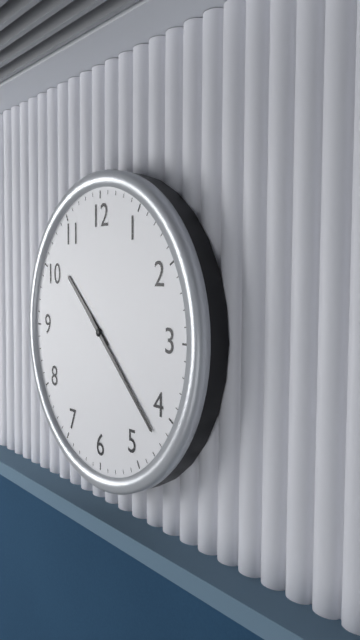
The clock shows 10h22
